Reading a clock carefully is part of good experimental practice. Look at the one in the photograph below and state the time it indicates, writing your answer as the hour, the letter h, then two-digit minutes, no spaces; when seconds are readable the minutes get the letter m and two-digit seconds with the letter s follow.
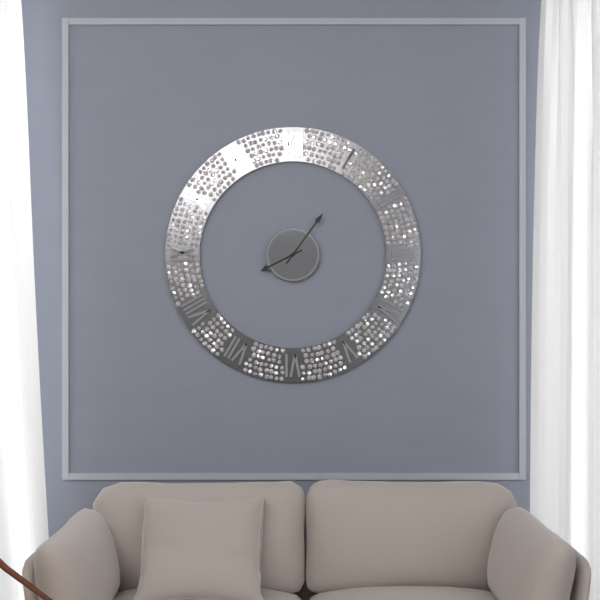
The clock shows 8h06
